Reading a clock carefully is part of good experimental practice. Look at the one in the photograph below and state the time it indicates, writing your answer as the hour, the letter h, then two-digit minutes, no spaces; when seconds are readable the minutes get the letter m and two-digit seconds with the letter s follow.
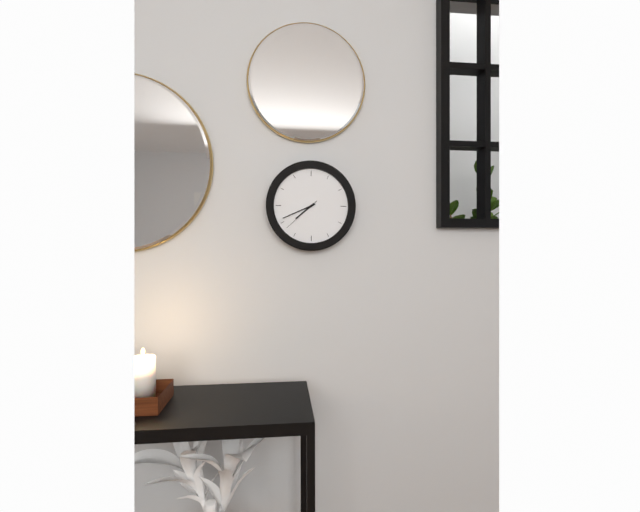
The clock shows 7h41
